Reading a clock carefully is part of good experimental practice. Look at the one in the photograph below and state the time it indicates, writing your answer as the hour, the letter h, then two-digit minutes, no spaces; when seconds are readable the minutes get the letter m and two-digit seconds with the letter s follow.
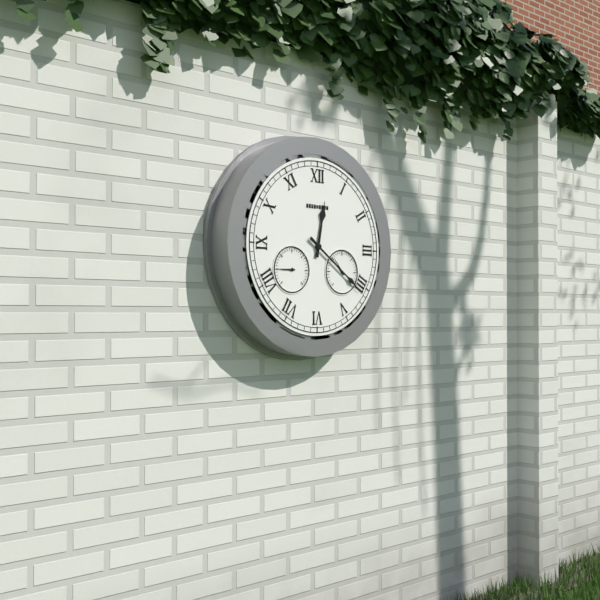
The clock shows 12h21
